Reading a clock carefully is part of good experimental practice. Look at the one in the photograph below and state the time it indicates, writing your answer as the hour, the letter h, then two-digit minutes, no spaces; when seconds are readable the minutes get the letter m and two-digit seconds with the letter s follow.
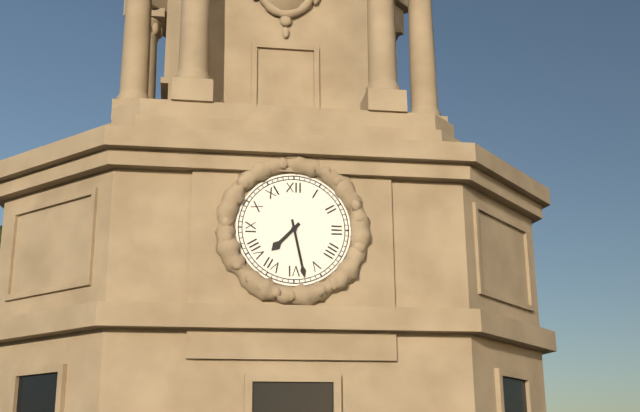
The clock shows 7h28
